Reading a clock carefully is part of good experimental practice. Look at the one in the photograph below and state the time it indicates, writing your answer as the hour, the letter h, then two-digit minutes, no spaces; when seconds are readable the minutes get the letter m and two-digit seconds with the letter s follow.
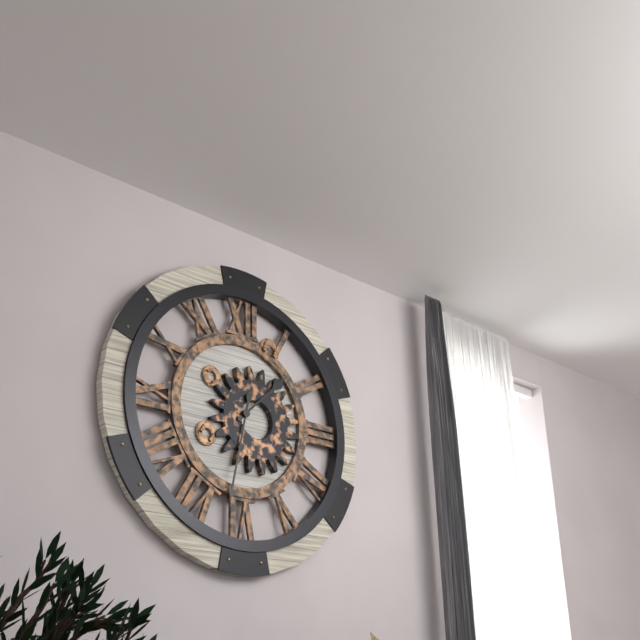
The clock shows 1h32
